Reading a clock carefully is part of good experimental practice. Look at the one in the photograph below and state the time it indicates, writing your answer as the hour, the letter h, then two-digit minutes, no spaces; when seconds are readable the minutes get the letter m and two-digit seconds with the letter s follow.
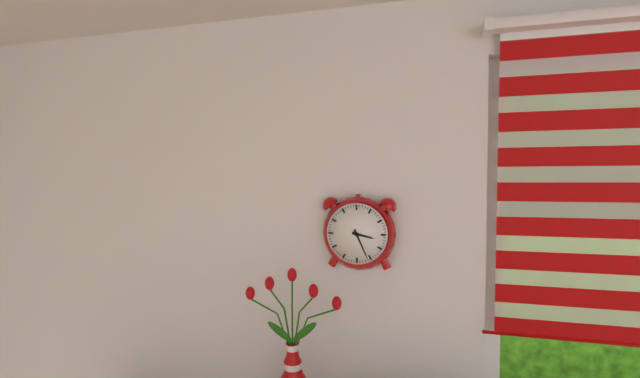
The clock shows 3h26
